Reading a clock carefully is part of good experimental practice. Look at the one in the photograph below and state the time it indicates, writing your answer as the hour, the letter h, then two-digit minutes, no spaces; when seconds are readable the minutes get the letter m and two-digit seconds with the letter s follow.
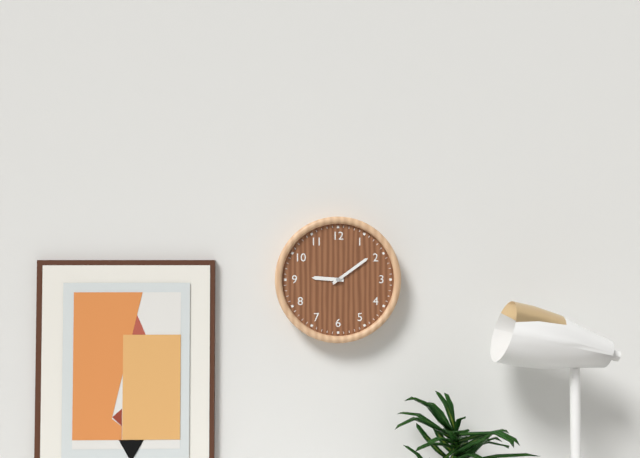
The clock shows 9h09
